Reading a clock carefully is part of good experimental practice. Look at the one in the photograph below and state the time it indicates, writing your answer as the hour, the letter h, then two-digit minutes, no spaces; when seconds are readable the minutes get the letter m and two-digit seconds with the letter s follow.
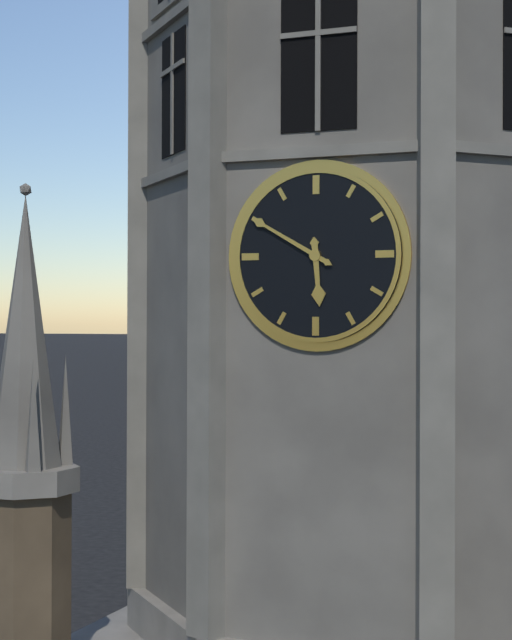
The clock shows 5h50
